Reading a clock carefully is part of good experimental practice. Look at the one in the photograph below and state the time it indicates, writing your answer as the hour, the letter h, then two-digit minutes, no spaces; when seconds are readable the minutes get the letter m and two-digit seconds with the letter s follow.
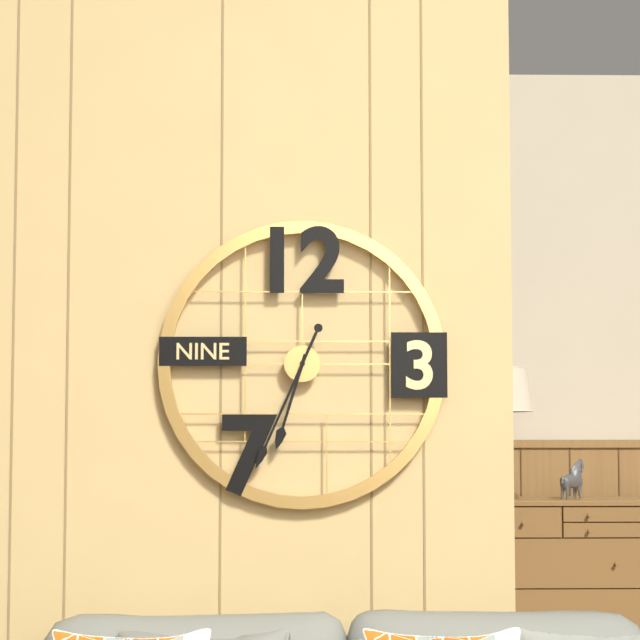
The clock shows 6h34
